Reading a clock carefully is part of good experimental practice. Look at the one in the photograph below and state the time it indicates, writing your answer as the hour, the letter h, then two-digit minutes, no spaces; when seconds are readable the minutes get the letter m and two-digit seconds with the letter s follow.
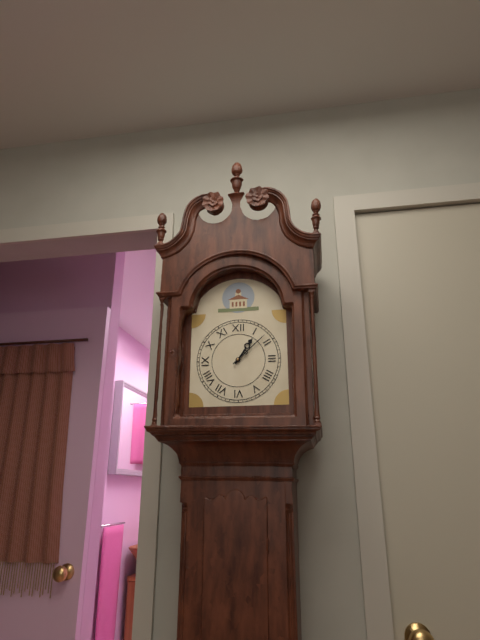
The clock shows 1h08
